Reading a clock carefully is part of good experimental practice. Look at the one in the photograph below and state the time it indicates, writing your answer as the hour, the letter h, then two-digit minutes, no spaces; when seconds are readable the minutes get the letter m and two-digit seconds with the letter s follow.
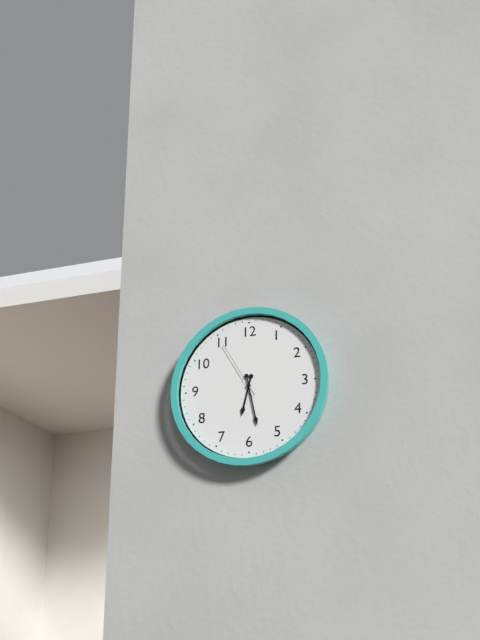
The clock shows 6h28m55s
